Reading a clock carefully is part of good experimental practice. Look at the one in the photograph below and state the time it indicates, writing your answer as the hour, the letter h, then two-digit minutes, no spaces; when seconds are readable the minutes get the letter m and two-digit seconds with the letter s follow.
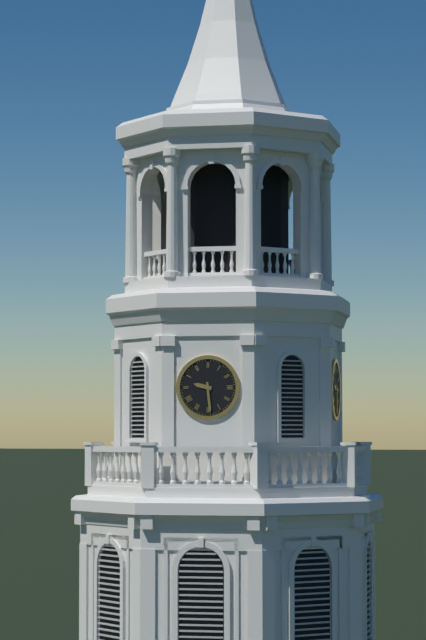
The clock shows 9h29
